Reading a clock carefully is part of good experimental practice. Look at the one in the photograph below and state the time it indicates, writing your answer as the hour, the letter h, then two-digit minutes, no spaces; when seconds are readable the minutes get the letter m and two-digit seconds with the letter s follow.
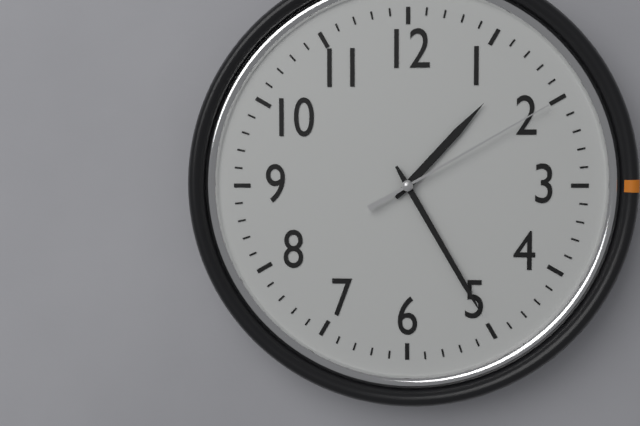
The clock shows 1h25m10s
